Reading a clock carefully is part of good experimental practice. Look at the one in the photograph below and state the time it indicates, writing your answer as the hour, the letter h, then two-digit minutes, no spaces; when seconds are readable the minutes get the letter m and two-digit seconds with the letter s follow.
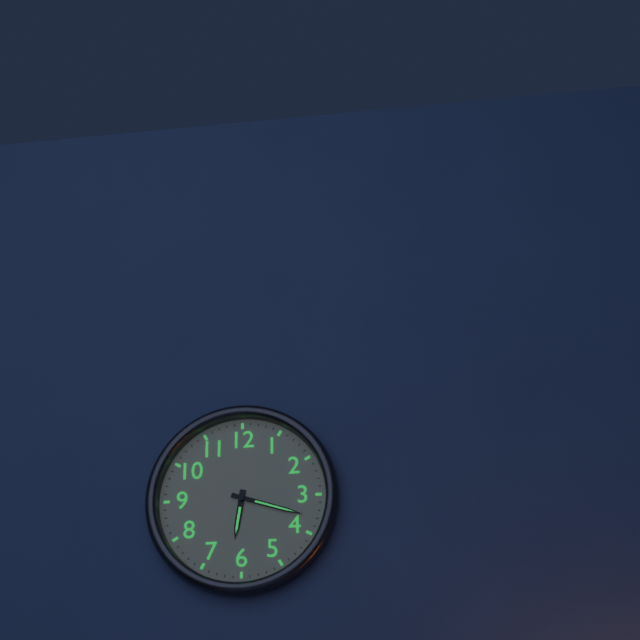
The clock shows 6h18
